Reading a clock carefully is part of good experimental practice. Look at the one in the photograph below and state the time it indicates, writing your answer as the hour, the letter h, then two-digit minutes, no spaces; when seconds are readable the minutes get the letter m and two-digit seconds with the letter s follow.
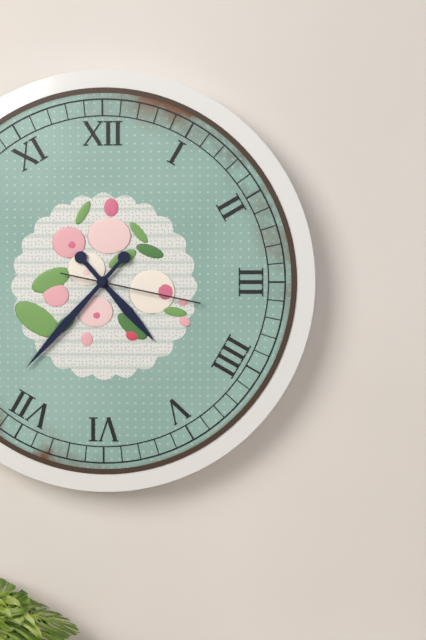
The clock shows 4h37m17s
